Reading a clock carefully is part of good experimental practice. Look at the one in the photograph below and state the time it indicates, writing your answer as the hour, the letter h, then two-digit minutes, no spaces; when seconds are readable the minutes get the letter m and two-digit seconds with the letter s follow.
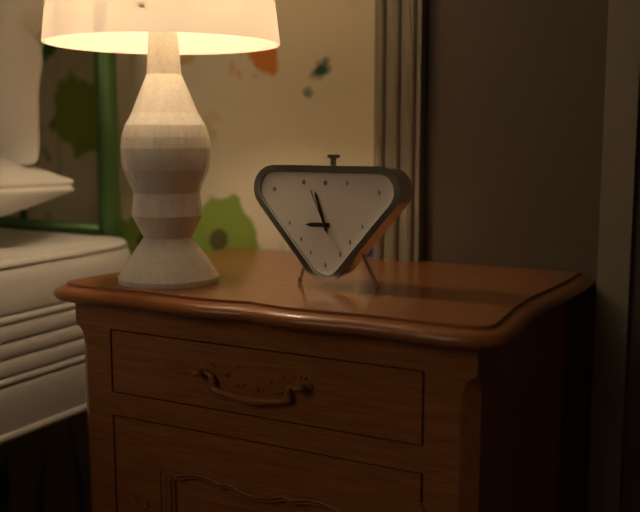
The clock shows 8h57
